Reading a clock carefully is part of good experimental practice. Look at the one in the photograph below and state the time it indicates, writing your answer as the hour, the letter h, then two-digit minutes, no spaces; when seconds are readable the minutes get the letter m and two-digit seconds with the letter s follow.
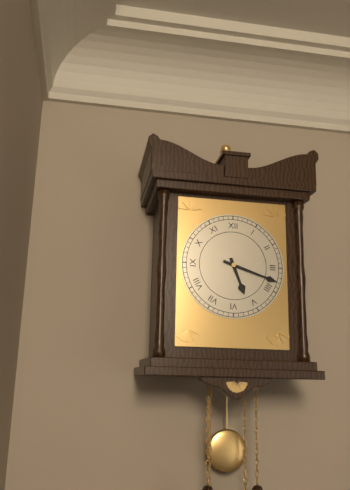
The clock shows 5h18
